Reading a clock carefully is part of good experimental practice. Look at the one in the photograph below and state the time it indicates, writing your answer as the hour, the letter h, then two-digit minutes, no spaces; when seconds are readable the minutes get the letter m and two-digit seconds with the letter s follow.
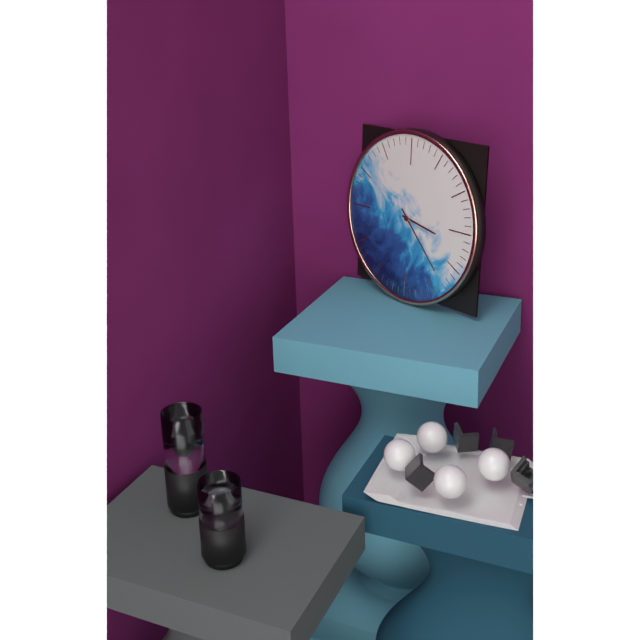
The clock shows 3h23
